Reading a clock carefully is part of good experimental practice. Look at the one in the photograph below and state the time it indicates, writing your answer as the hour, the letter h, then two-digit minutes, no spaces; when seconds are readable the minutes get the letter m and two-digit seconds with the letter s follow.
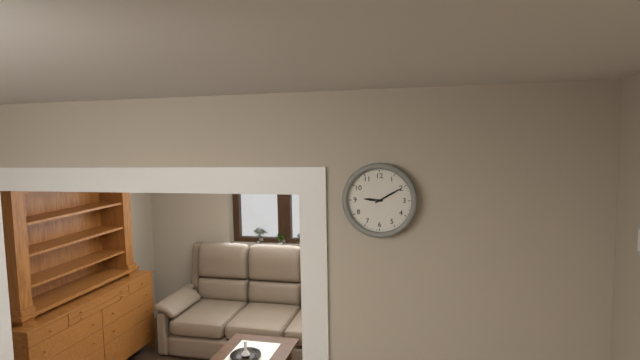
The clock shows 9h10
